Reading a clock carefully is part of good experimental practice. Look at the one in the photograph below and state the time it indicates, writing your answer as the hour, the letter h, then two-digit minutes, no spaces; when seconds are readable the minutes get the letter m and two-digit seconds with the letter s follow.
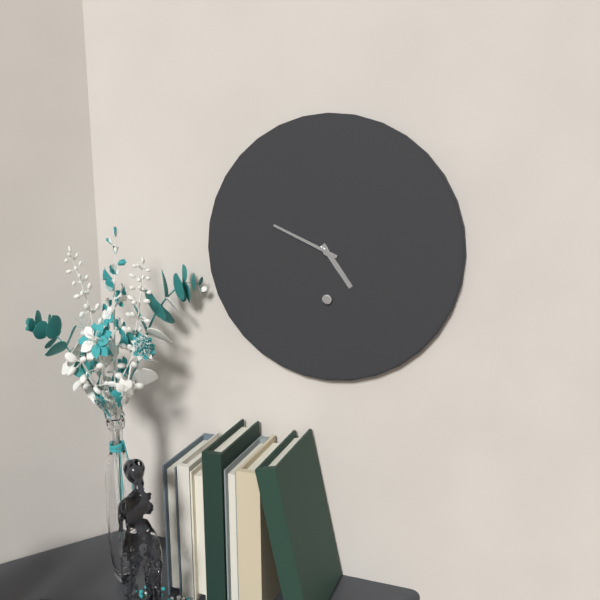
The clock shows 4h49
